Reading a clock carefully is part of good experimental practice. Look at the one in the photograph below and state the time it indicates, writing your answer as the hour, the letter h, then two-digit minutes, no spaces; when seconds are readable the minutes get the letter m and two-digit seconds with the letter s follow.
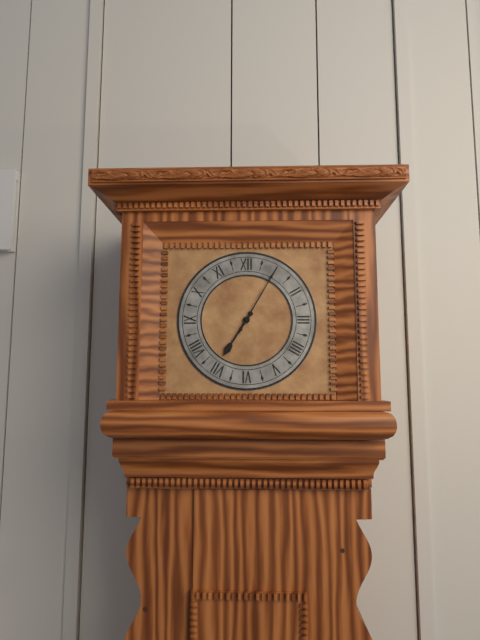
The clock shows 7h05
